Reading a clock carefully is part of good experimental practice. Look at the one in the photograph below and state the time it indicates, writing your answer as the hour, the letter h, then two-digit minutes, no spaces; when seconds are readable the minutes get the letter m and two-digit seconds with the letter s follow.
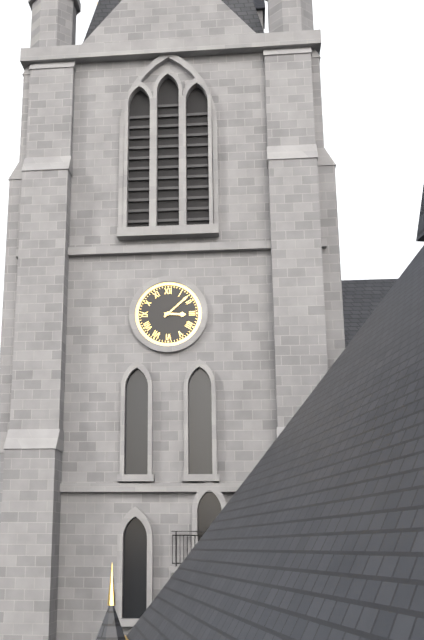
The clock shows 3h08
